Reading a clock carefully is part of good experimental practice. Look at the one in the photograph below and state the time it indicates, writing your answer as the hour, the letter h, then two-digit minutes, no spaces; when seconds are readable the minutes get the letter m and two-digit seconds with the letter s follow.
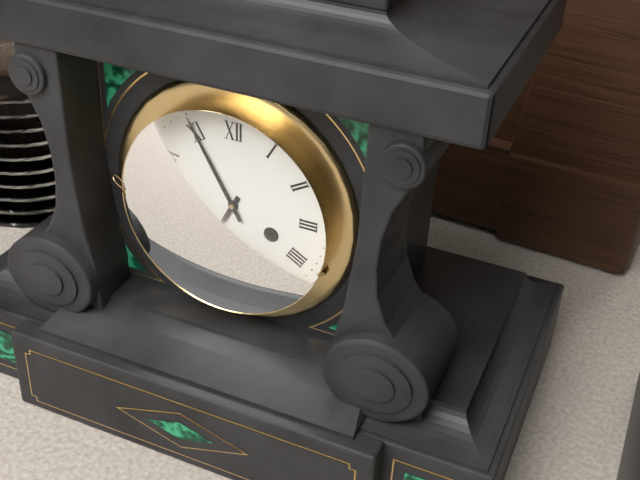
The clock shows 6h55
